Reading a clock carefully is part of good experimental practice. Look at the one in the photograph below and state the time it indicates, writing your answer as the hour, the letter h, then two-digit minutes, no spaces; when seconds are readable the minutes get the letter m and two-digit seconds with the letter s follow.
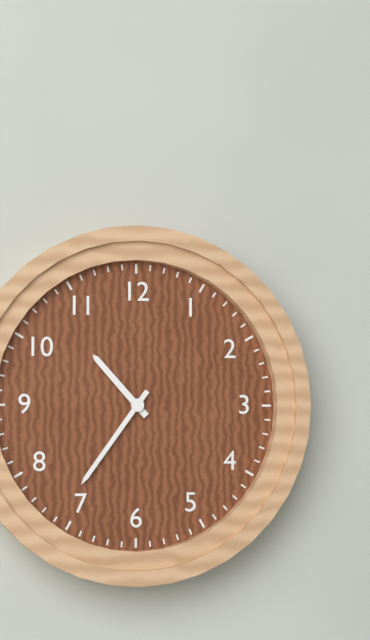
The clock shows 10h36
